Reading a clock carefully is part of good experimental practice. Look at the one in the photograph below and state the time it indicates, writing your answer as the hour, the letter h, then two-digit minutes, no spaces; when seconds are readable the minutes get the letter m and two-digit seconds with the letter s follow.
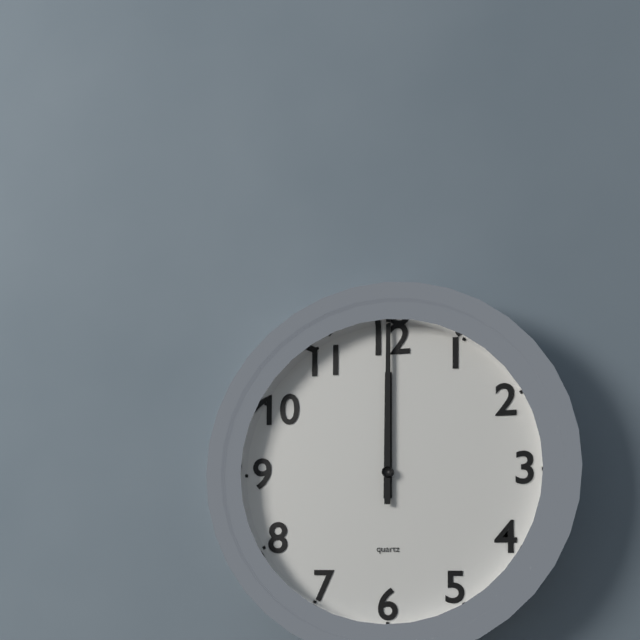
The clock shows 12h00
